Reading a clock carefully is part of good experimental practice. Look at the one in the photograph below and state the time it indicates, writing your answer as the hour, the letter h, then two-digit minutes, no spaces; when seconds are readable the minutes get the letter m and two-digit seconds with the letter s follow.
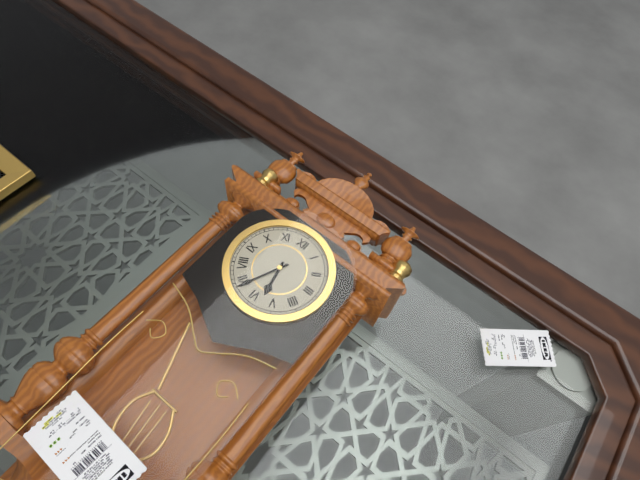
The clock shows 5h34
